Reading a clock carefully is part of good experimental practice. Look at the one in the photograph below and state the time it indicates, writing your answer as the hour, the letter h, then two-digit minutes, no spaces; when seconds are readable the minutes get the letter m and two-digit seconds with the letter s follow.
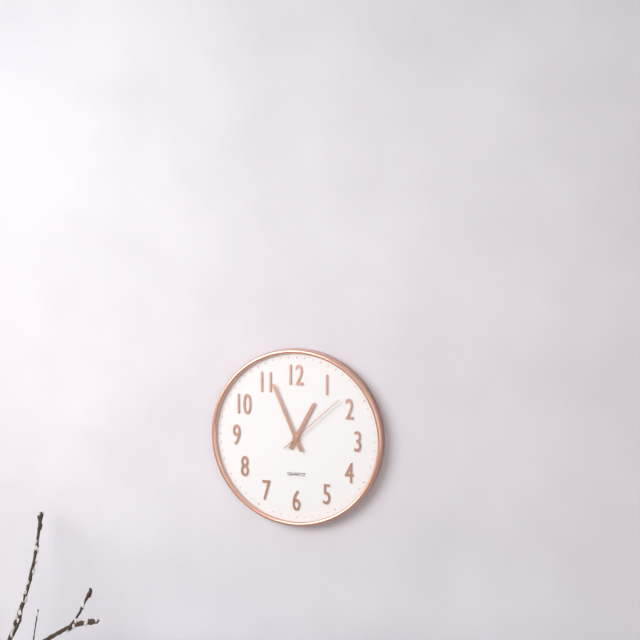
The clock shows 12h56m08s
